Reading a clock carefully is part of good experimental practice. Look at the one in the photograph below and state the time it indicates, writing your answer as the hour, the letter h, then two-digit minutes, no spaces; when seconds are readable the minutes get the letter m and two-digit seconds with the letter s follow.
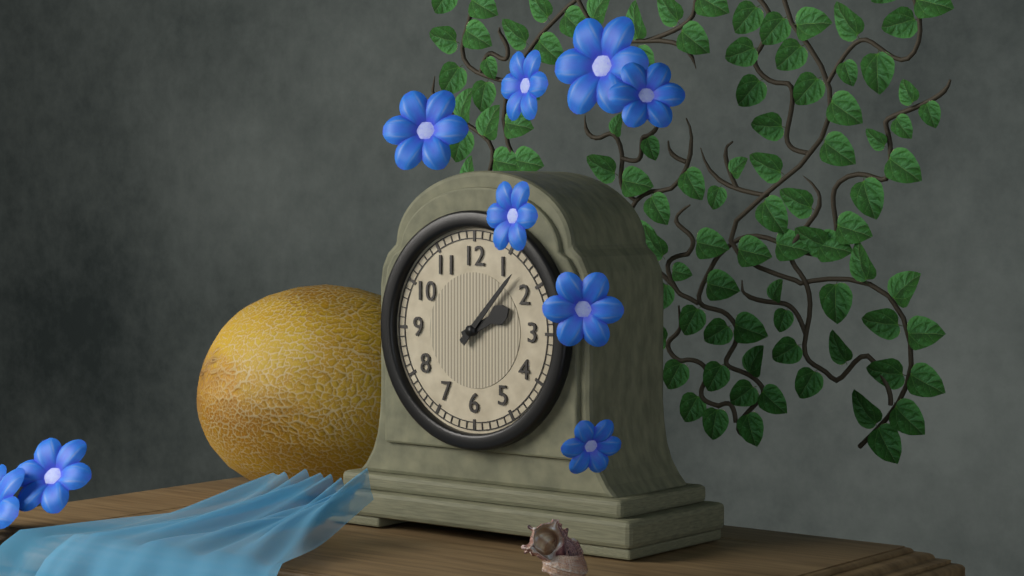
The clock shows 2h07
